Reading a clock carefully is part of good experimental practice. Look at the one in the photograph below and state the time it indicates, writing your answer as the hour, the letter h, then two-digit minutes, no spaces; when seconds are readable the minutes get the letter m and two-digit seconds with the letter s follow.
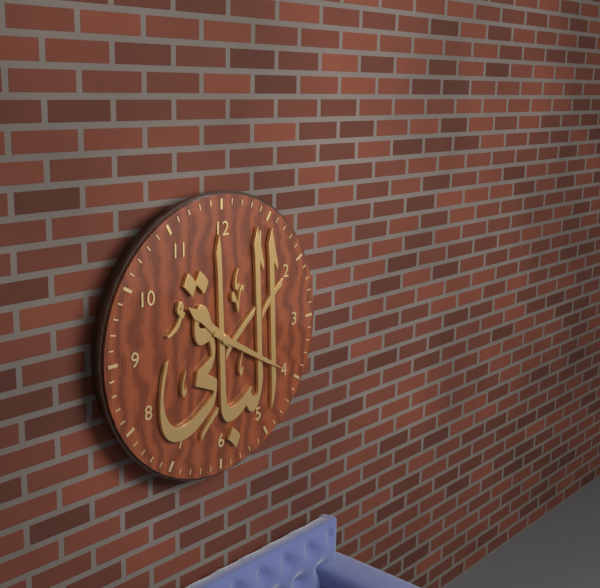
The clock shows 10h20
